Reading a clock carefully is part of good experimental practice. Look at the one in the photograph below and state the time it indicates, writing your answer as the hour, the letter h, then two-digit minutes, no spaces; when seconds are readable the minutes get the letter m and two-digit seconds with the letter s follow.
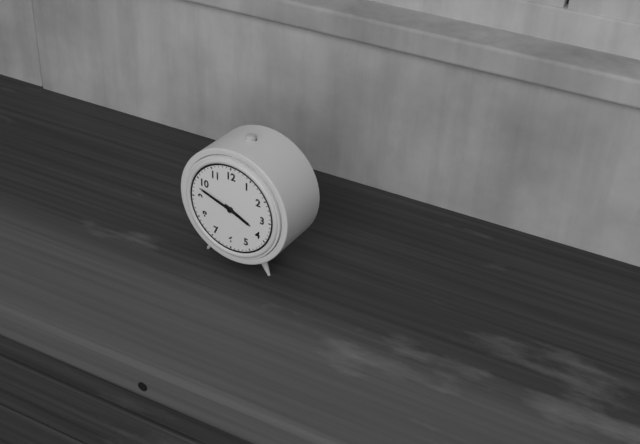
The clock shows 3h48
